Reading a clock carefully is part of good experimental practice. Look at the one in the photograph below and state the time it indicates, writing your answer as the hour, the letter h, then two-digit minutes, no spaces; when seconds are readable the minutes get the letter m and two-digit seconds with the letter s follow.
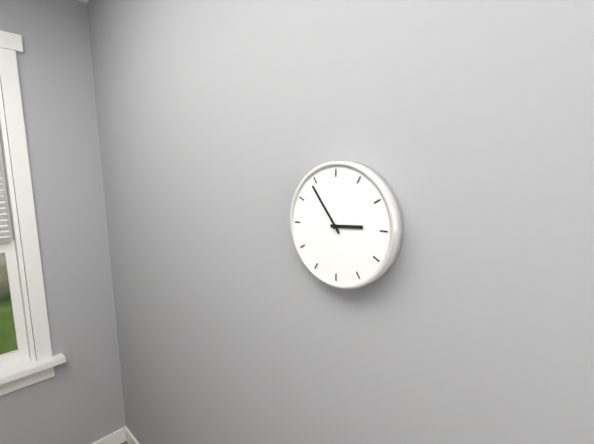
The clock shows 2h54
